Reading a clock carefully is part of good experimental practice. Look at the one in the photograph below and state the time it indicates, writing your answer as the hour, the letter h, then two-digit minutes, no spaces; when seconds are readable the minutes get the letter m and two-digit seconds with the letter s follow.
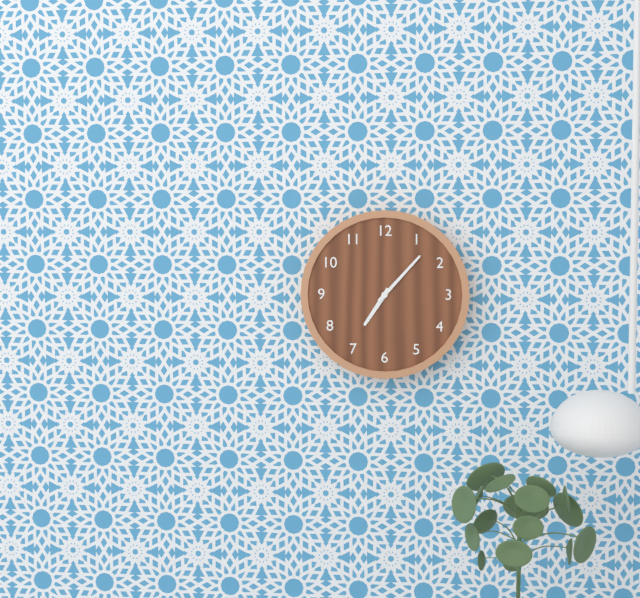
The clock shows 7h07
